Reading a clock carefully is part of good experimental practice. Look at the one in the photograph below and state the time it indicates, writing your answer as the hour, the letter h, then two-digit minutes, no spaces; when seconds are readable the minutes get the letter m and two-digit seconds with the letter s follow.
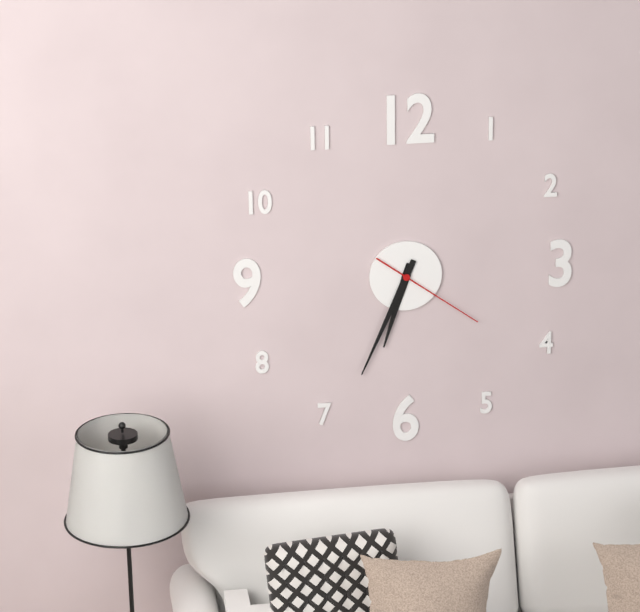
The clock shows 6h34m21s
